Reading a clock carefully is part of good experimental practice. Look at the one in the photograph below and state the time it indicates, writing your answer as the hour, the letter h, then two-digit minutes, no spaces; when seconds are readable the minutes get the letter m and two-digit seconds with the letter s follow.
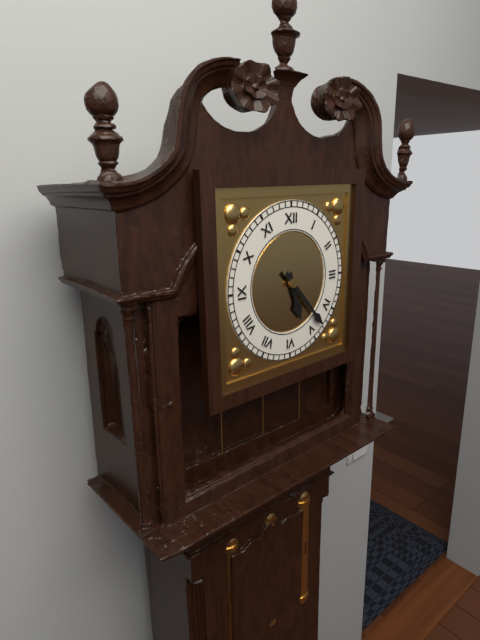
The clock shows 5h23
